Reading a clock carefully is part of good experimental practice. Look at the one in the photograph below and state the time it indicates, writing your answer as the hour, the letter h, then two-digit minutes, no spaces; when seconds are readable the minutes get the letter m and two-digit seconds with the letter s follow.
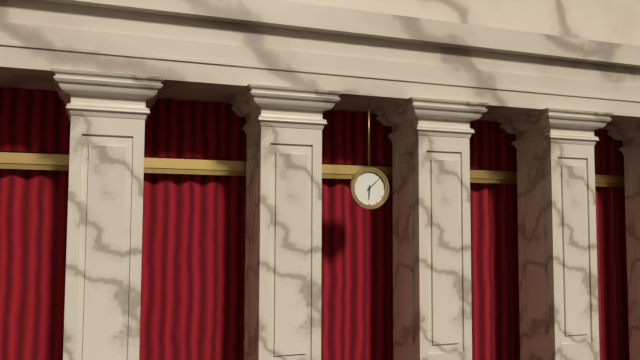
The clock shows 6h08
